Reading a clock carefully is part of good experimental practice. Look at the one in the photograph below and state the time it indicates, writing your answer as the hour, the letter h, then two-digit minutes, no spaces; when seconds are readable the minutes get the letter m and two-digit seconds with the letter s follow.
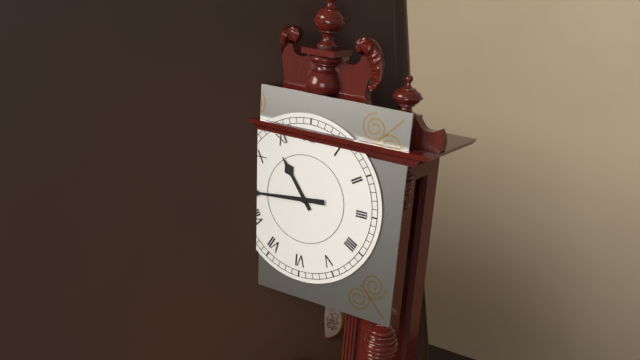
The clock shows 10h44
